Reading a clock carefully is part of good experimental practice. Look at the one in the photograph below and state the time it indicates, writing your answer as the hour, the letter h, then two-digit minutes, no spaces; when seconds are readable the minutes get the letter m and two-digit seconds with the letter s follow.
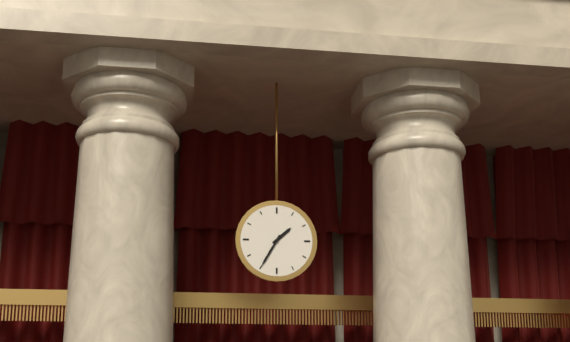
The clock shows 1h35
